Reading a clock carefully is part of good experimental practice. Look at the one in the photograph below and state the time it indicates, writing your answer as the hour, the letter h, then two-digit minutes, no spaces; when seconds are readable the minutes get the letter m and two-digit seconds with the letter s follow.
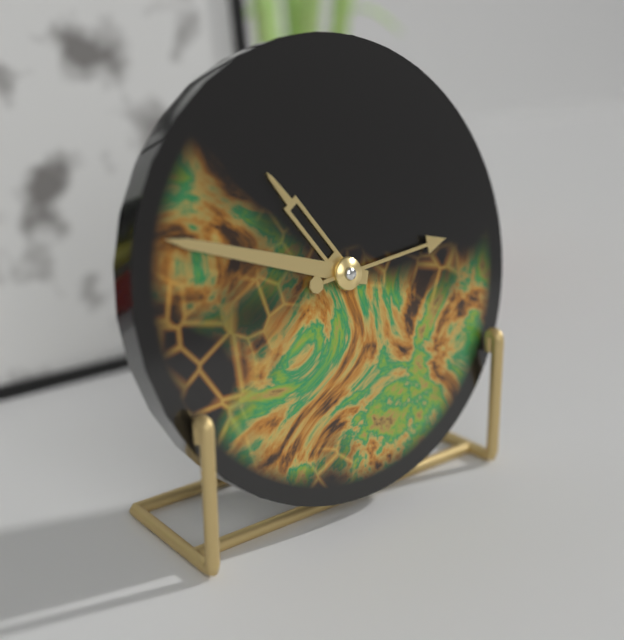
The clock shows 10h48m14s
